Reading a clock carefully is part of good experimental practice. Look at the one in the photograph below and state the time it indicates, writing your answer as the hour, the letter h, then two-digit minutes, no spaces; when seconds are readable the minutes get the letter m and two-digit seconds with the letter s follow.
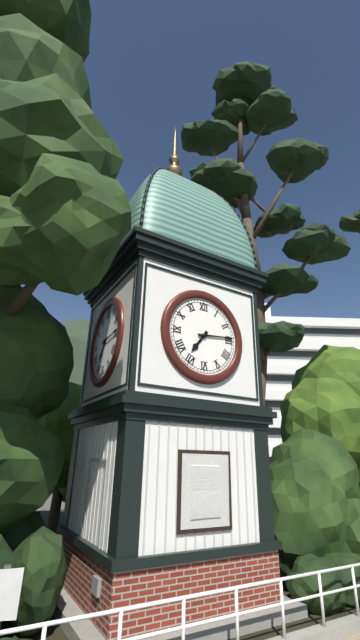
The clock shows 7h14
